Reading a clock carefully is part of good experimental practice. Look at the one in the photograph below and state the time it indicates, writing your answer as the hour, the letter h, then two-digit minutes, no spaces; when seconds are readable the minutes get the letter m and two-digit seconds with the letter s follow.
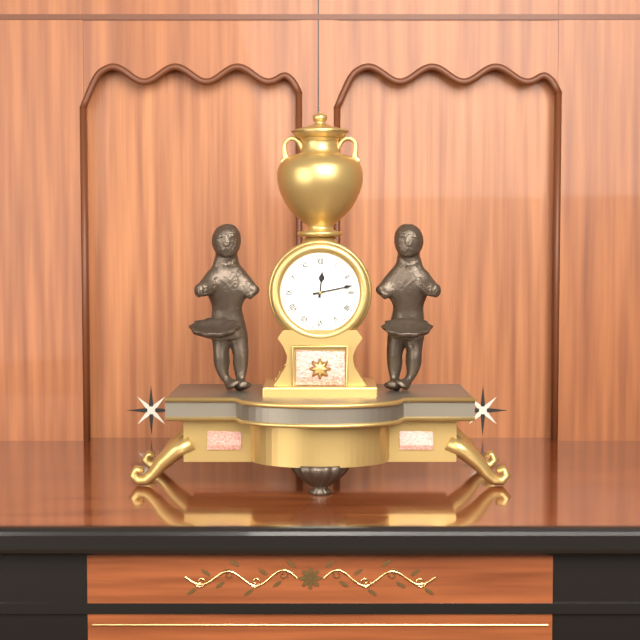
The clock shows 12h13
